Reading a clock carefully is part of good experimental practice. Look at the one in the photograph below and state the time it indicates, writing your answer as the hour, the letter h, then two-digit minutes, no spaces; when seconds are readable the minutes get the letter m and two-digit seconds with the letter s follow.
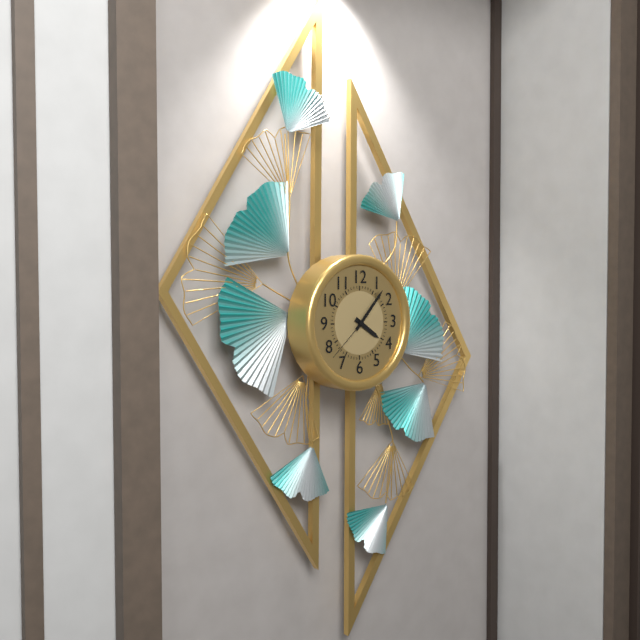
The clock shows 4h07m38s
